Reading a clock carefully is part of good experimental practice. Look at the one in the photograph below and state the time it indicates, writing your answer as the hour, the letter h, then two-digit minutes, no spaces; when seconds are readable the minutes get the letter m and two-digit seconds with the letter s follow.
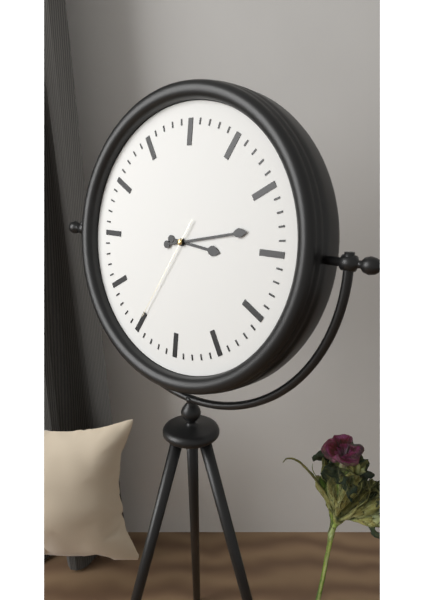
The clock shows 3h13m35s
